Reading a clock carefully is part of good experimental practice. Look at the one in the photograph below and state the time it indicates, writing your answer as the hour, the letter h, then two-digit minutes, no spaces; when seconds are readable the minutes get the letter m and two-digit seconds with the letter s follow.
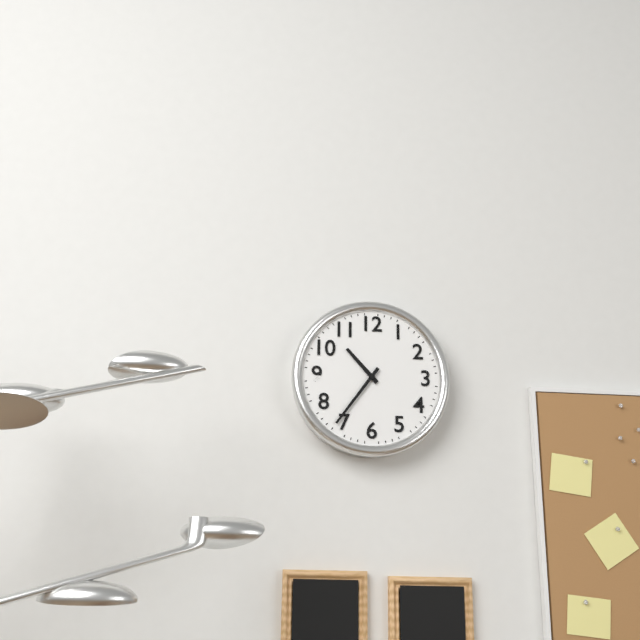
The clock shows 10h36
